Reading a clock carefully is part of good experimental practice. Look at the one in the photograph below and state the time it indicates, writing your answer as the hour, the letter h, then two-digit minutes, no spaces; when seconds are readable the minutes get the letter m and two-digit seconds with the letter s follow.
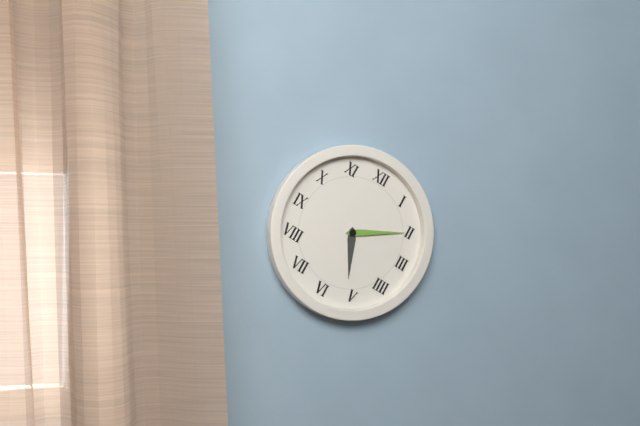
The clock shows 5h10
